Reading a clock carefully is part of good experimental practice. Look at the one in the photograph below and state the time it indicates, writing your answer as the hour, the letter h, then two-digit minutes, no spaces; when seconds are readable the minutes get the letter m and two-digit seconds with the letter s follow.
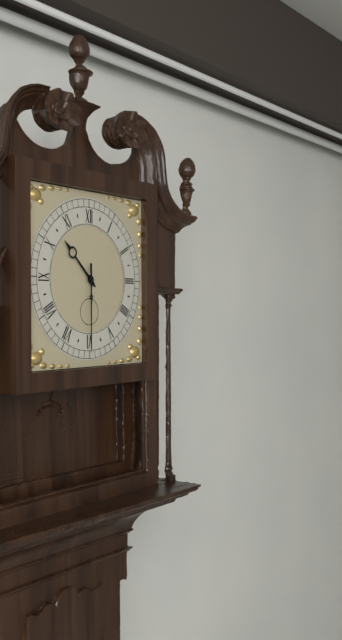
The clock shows 10h30
